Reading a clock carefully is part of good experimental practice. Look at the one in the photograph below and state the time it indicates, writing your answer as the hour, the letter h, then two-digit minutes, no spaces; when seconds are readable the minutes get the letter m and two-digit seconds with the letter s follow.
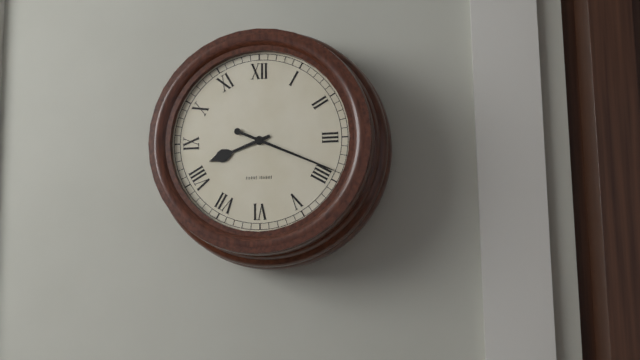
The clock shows 8h19
